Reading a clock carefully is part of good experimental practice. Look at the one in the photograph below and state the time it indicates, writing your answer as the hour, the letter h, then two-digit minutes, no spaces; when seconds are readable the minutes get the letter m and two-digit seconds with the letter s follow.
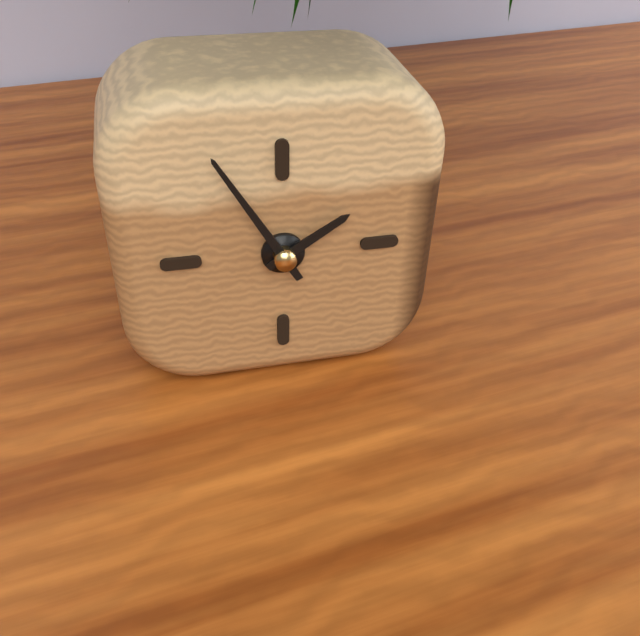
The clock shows 1h55
